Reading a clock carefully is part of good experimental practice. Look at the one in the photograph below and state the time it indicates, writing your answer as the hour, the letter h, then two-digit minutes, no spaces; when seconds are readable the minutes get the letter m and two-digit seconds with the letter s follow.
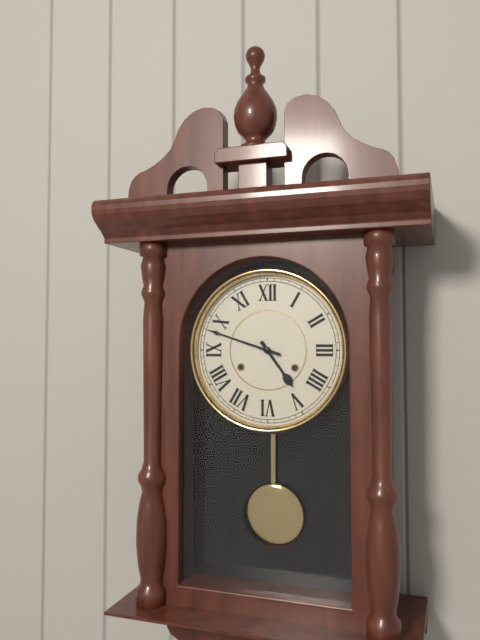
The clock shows 4h48
